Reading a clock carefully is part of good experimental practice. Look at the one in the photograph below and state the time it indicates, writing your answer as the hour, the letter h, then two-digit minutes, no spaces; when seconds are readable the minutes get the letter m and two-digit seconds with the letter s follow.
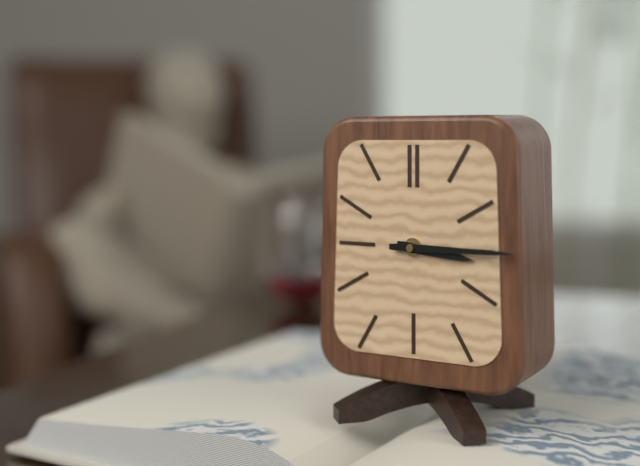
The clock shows 3h15
